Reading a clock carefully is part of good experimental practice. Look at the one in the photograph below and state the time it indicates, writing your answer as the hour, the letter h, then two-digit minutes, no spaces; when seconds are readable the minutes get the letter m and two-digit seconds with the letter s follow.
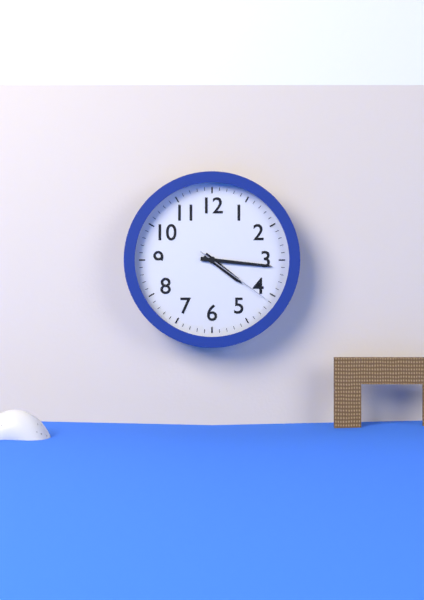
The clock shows 4h16m21s
